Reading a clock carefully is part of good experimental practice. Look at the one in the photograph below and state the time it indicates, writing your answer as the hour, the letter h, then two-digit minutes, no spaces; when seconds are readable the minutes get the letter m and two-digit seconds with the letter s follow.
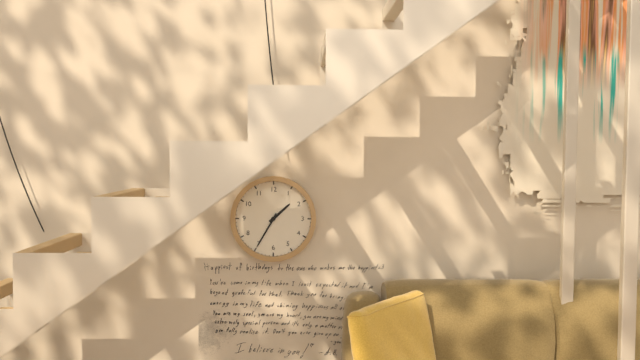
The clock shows 1h35
